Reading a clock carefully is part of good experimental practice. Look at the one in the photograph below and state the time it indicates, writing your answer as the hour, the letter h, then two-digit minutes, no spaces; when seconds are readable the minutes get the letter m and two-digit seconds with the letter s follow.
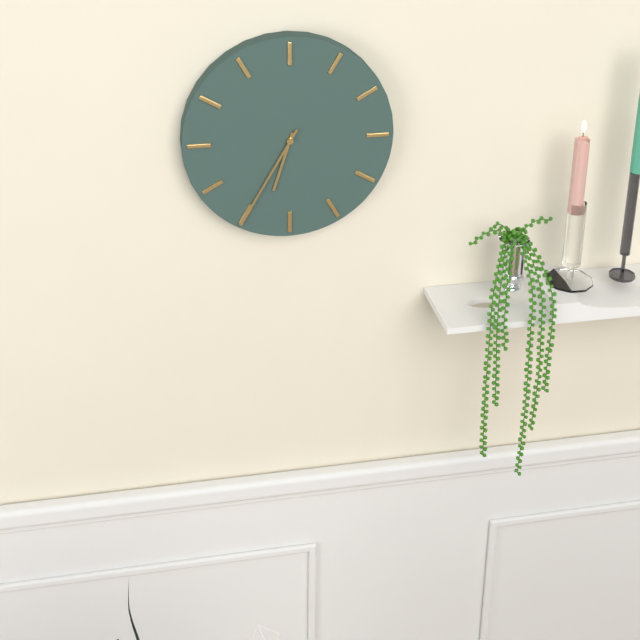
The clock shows 6h35
